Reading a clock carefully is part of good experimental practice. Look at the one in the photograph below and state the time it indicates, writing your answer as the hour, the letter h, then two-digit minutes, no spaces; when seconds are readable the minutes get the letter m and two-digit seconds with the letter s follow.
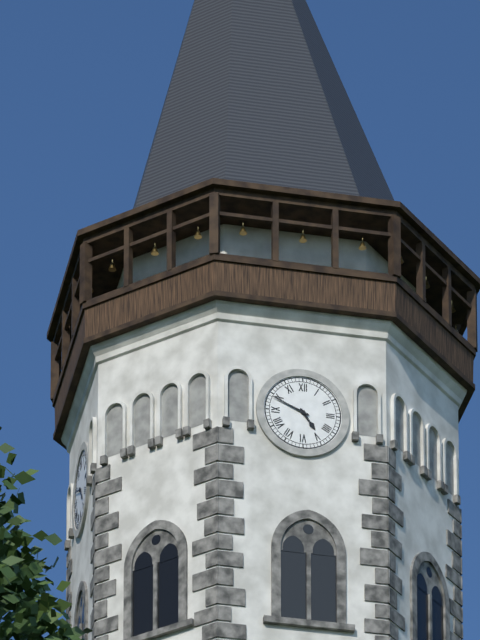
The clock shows 4h49
